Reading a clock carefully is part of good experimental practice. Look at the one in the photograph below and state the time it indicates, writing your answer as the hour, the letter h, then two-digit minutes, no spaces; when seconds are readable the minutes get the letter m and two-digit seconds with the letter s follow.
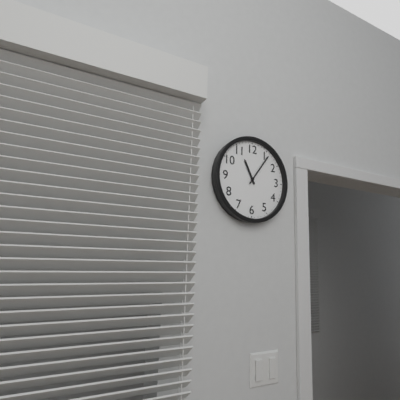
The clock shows 11h06
